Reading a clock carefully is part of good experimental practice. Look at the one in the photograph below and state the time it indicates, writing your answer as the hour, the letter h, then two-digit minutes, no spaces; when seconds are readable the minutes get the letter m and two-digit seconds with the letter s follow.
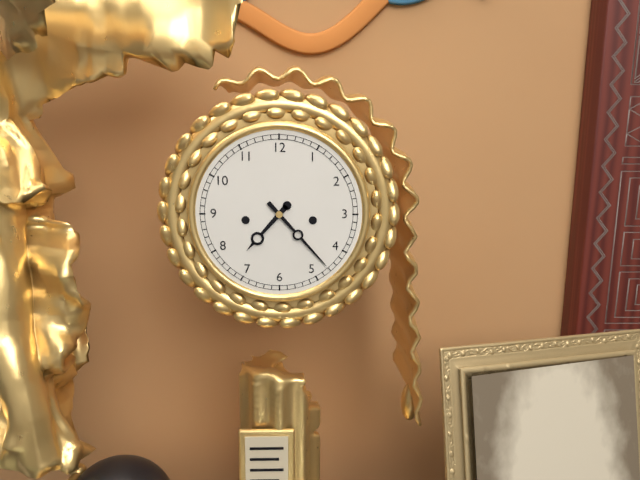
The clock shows 7h23
